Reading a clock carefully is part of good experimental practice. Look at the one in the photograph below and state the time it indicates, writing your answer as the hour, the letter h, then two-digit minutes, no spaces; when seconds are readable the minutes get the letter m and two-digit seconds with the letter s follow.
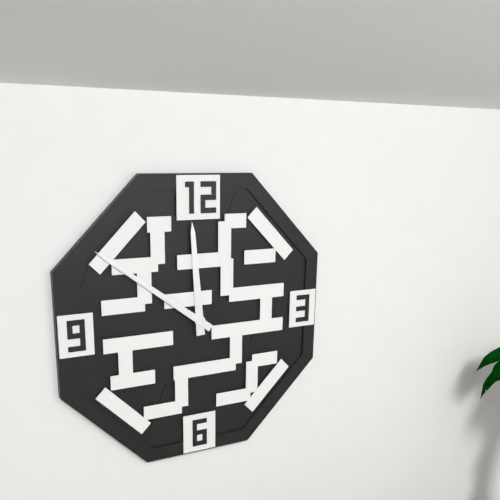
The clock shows 11h51
